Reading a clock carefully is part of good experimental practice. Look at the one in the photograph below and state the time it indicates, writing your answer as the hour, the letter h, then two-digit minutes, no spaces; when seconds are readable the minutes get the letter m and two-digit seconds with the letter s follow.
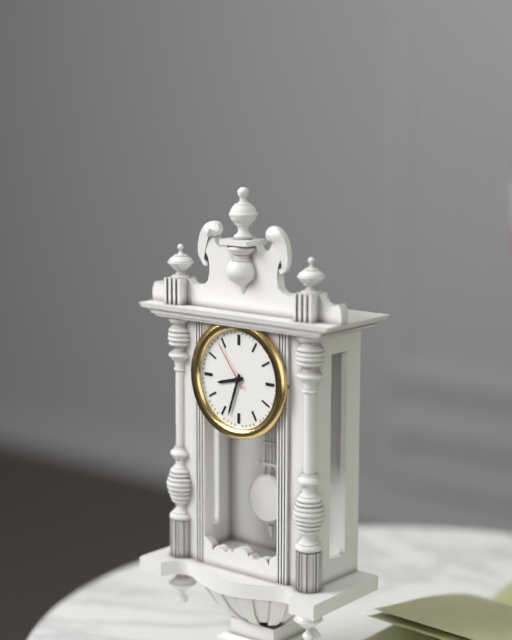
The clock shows 8h33m54s
